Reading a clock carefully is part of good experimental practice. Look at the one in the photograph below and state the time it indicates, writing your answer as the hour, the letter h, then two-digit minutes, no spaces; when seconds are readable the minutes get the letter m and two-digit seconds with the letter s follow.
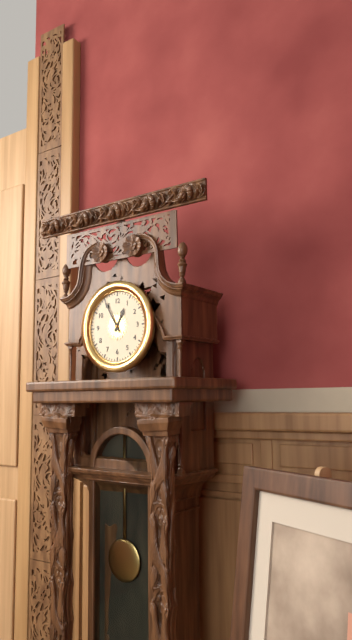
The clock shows 12h55
